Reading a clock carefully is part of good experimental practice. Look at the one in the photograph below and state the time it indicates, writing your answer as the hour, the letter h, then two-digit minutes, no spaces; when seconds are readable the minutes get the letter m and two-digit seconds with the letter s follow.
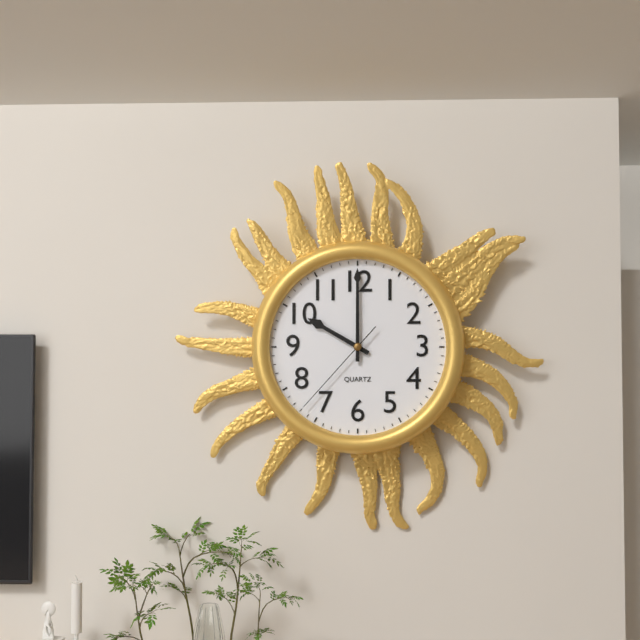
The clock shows 10h00m37s
